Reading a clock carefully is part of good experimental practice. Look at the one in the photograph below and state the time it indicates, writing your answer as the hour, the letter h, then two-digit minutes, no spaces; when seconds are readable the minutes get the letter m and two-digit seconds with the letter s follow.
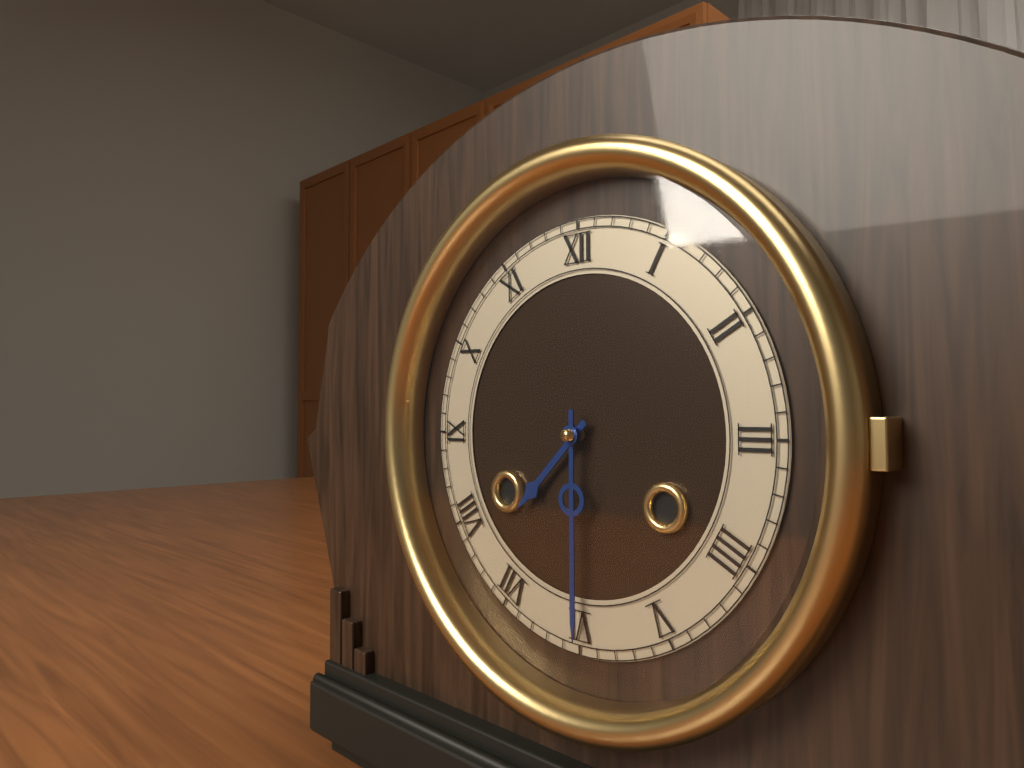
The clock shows 7h30
